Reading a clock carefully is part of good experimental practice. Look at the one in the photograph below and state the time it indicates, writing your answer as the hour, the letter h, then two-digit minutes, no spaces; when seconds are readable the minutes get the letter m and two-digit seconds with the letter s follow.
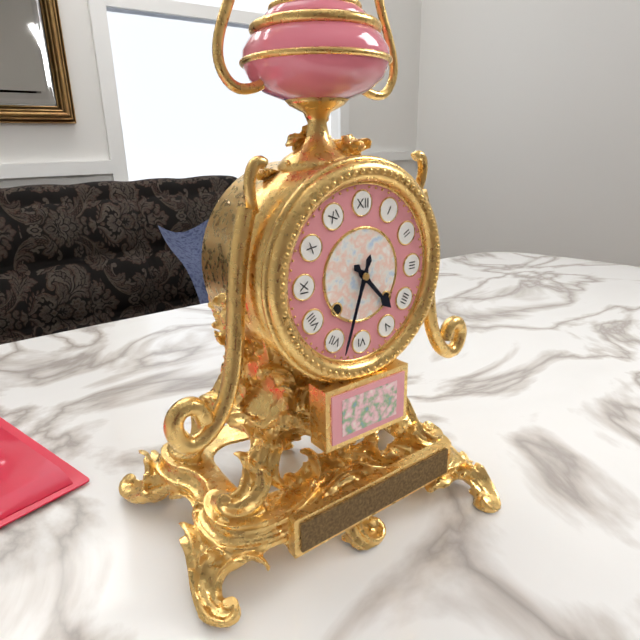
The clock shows 4h33
